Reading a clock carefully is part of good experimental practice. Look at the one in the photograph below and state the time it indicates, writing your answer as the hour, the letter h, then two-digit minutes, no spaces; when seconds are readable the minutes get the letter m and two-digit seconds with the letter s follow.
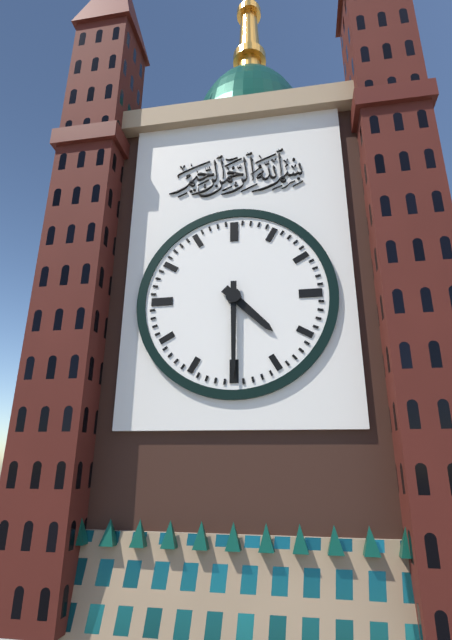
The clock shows 4h30
